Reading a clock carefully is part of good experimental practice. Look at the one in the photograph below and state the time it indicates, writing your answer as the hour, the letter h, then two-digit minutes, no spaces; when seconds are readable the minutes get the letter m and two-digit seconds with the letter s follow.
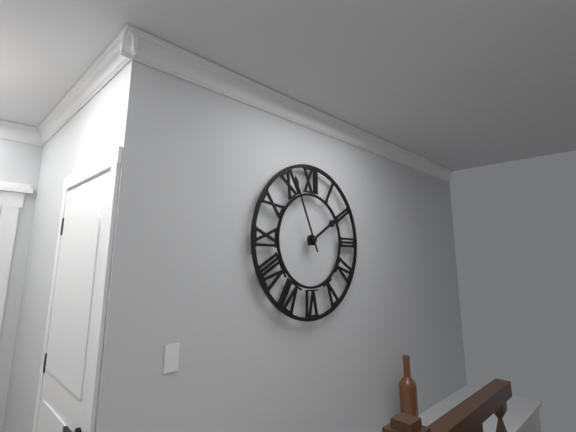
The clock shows 1h56
